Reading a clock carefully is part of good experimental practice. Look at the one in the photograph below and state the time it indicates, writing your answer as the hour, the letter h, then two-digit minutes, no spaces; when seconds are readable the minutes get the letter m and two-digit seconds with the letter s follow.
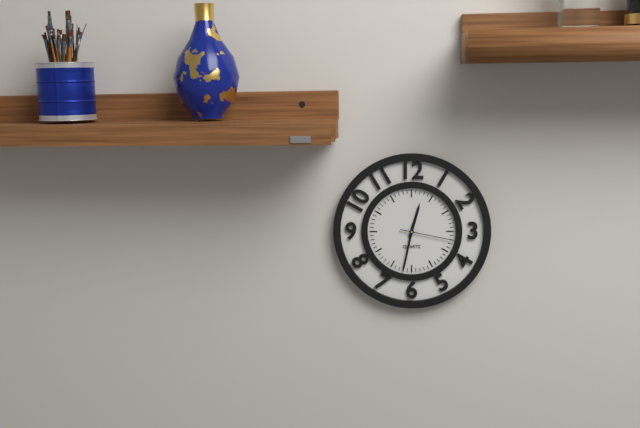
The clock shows 12h32m17s
